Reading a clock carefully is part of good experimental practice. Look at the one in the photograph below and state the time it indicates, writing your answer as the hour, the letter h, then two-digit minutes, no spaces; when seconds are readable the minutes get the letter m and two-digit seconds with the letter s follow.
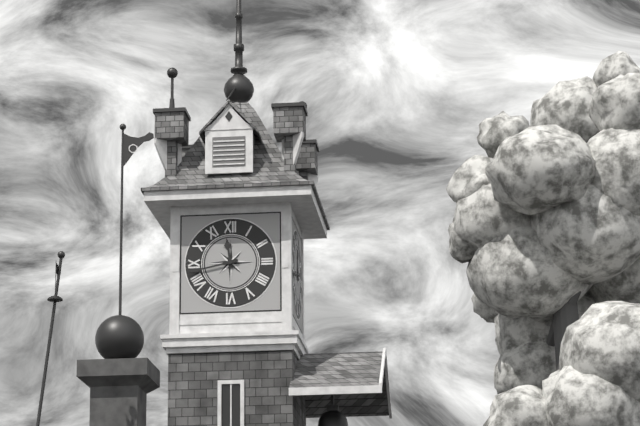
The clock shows 11h43
